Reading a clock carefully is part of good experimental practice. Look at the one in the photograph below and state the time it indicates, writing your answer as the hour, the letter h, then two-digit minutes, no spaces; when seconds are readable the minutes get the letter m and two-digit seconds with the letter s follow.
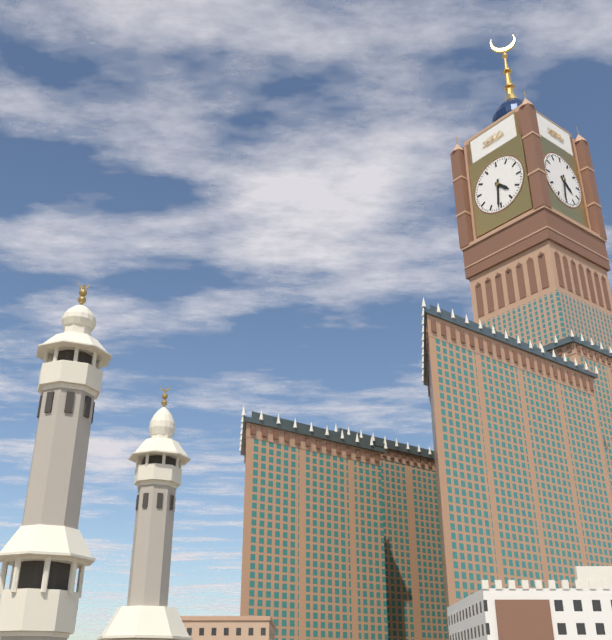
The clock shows 4h31
